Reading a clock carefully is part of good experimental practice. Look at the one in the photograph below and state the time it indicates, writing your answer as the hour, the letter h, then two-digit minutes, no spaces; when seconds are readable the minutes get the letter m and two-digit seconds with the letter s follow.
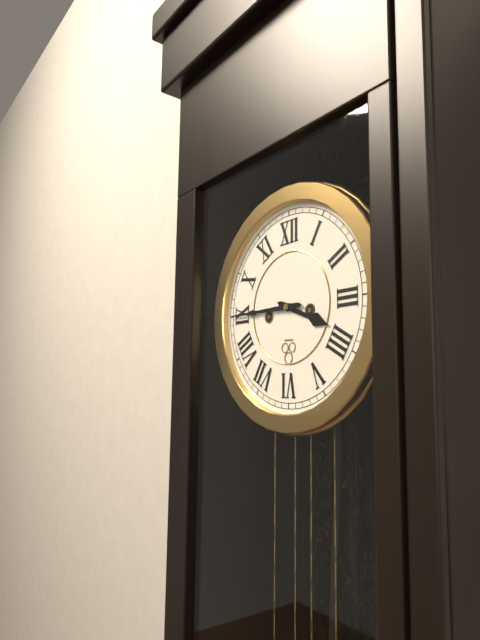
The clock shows 3h45
